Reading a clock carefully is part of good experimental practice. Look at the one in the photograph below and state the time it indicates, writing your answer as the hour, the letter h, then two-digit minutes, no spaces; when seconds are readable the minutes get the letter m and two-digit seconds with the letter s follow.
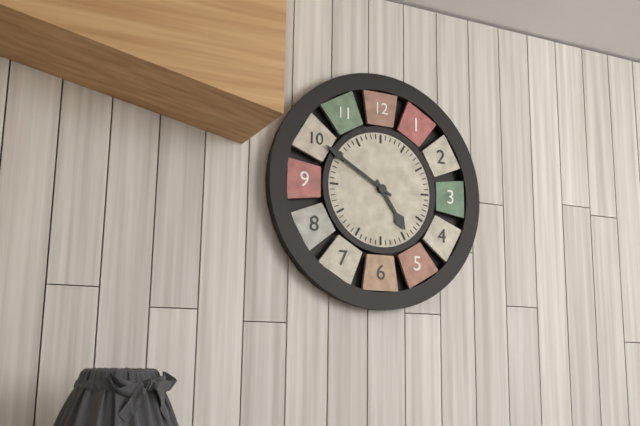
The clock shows 4h50
